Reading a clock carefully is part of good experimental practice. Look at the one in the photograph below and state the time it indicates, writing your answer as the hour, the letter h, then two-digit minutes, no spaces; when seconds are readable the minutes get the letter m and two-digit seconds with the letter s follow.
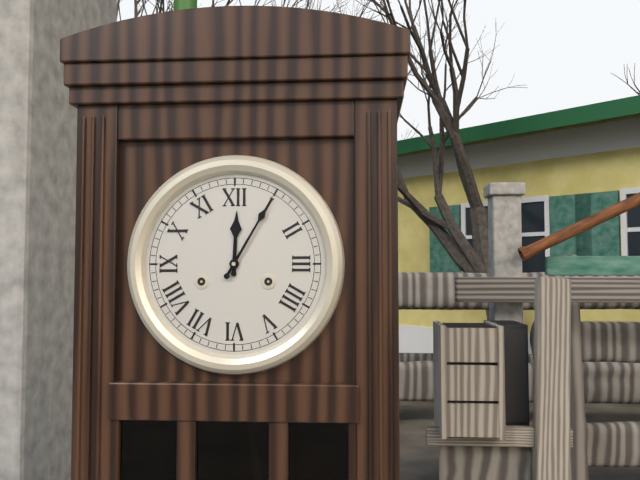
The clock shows 12h05
